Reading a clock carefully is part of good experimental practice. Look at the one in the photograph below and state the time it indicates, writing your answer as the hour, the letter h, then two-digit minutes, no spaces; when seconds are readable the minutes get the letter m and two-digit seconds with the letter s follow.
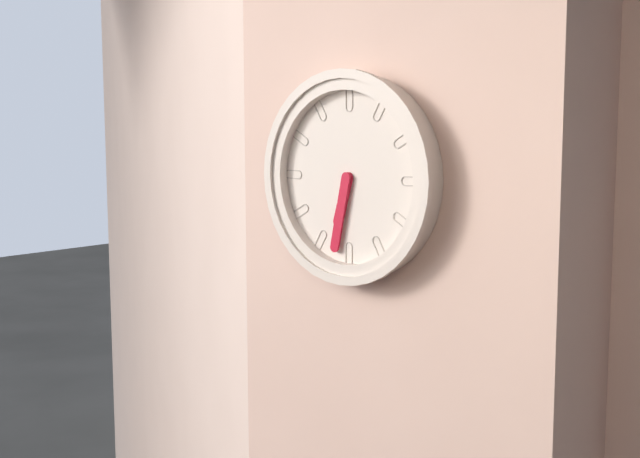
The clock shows 6h32
